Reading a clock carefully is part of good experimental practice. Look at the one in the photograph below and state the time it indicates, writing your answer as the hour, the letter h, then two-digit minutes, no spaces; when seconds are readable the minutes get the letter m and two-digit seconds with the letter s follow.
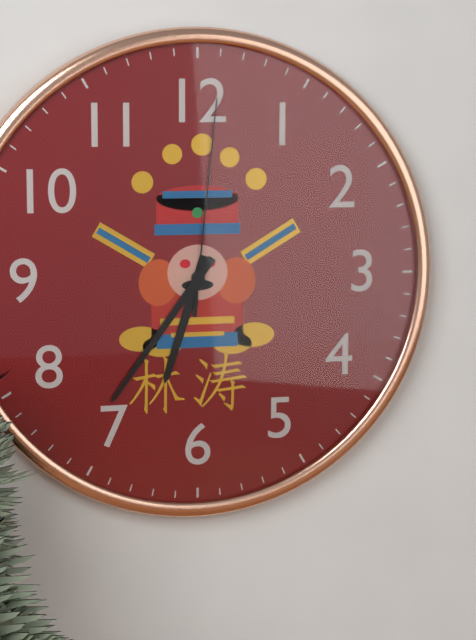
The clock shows 6h36m01s
